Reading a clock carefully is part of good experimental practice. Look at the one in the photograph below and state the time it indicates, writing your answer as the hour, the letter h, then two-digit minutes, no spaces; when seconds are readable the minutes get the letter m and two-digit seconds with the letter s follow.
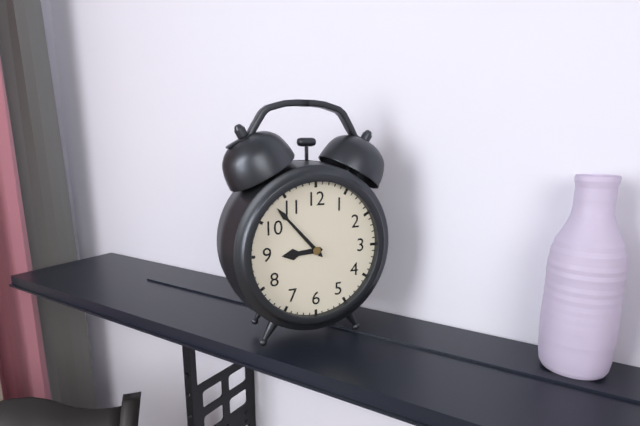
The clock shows 8h53
